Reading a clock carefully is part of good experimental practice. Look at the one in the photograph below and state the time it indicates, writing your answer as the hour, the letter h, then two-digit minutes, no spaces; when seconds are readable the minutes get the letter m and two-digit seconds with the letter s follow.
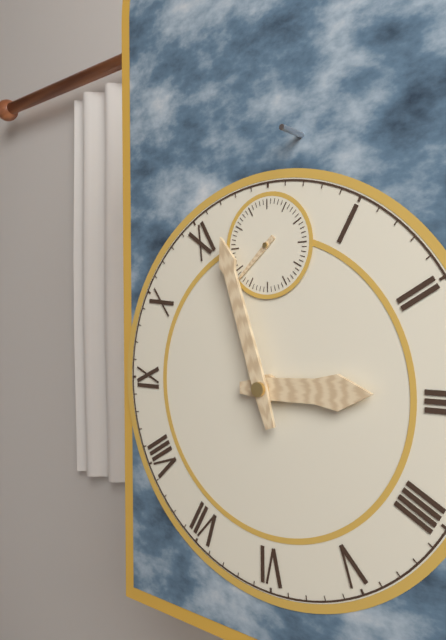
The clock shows 2h57m38s
